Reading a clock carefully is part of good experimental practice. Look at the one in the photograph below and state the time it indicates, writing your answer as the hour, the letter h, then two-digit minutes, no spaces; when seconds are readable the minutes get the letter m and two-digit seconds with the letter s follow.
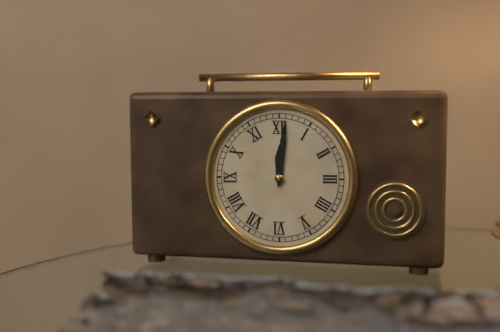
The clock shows 12h01
